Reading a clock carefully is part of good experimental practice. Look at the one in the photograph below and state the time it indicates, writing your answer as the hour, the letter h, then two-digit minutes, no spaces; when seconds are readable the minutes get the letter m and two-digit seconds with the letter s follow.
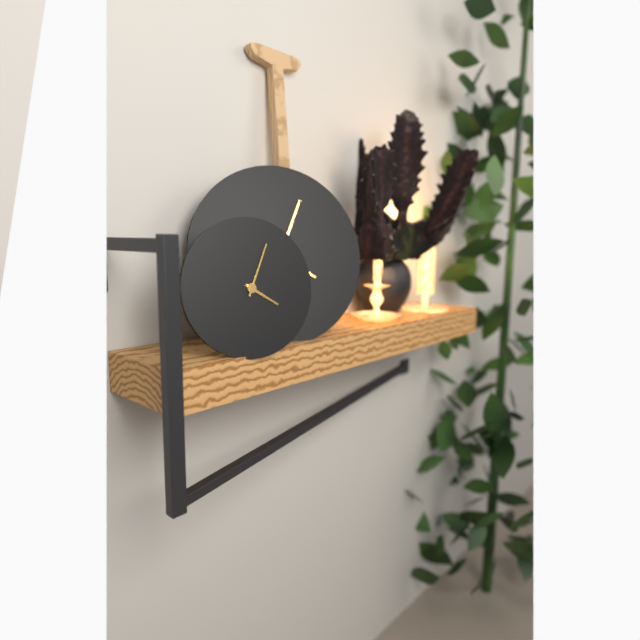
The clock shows 4h04
